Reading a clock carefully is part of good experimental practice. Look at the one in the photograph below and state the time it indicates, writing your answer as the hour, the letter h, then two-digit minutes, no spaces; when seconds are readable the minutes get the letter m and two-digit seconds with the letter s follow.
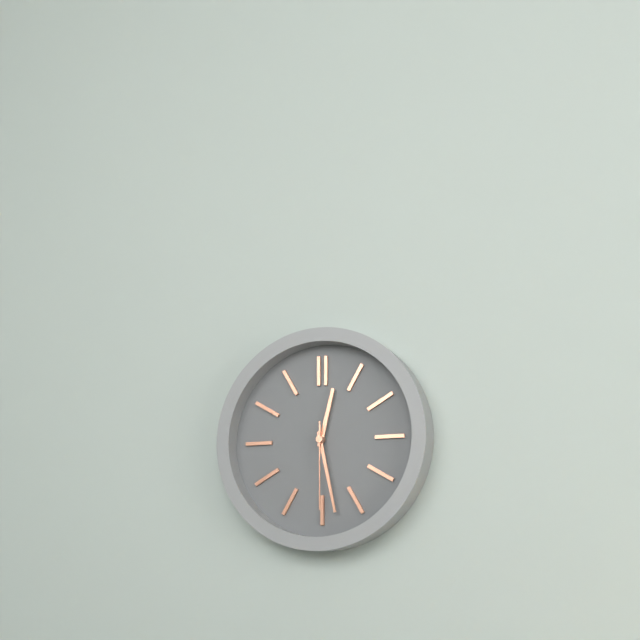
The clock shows 12h28m30s
